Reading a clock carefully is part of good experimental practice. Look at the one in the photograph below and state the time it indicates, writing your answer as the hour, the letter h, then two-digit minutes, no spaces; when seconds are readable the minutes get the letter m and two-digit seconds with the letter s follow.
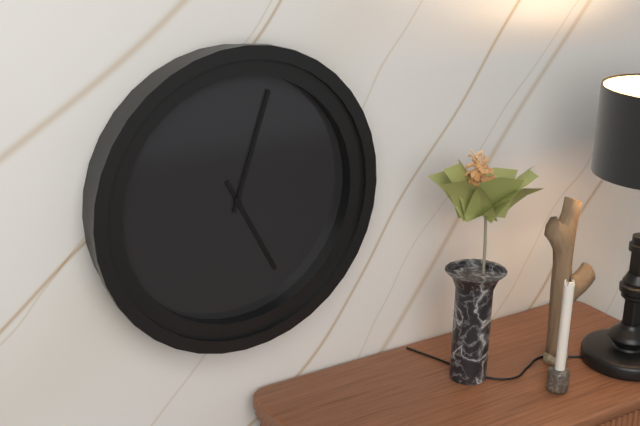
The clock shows 5h03
